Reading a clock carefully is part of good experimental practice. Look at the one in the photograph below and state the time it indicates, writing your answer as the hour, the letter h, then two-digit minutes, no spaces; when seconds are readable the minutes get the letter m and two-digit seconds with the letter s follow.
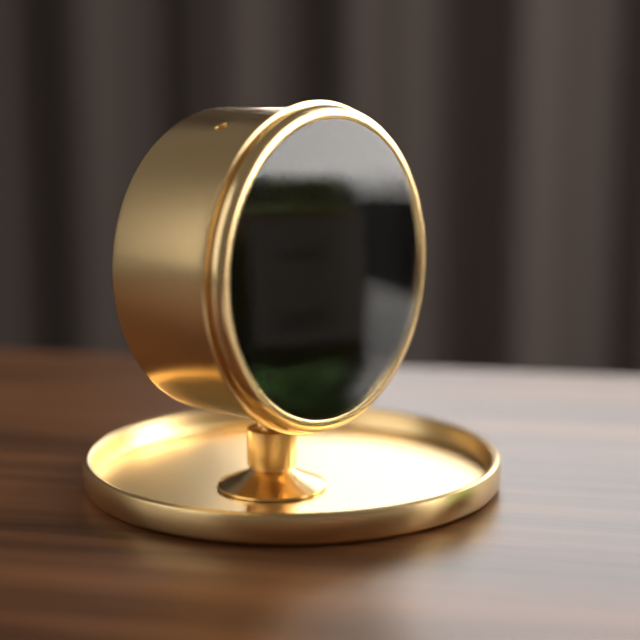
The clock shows 11h14m25s
